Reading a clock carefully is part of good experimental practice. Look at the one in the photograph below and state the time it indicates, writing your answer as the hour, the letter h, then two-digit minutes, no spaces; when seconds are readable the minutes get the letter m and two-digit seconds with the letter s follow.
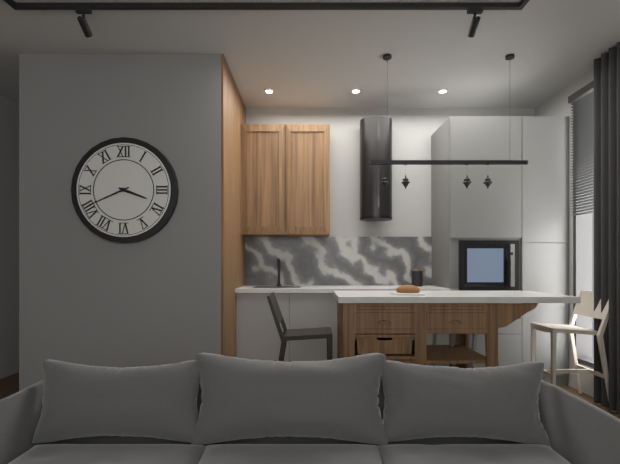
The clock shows 3h41
